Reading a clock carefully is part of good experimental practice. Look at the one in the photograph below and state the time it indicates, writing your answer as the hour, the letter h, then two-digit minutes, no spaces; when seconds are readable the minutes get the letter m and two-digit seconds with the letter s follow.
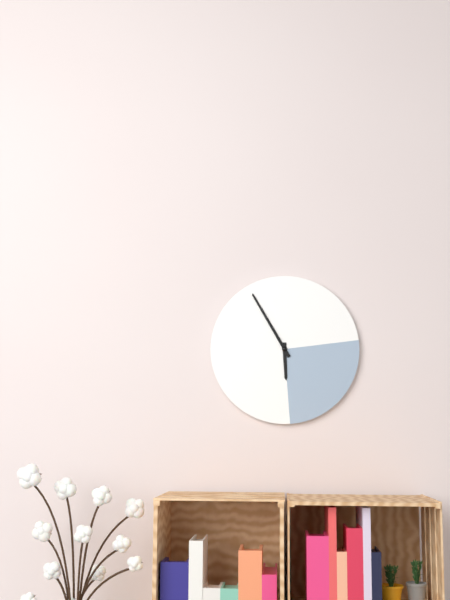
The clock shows 5h55
